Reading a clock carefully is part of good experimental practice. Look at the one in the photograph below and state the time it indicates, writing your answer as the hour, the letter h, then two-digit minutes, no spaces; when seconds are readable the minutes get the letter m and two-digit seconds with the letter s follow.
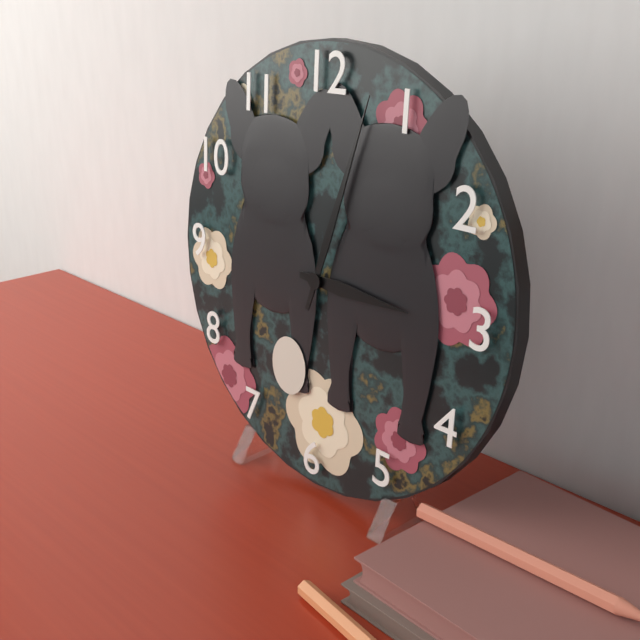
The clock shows 3h03
